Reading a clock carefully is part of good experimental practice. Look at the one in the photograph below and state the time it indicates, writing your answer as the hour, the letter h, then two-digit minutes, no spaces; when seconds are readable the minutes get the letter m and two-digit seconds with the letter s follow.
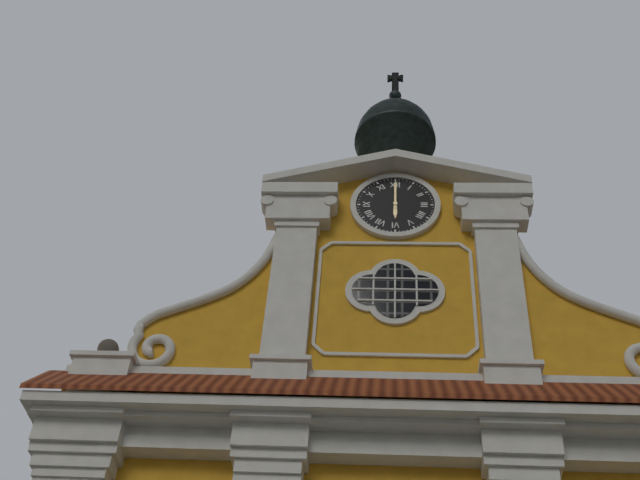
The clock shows 6h00
